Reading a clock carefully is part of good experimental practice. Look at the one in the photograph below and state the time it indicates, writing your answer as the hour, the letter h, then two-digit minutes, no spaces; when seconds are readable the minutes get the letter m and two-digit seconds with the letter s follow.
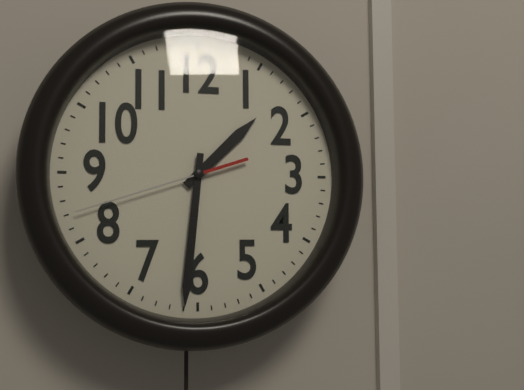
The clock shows 1h31m42s
